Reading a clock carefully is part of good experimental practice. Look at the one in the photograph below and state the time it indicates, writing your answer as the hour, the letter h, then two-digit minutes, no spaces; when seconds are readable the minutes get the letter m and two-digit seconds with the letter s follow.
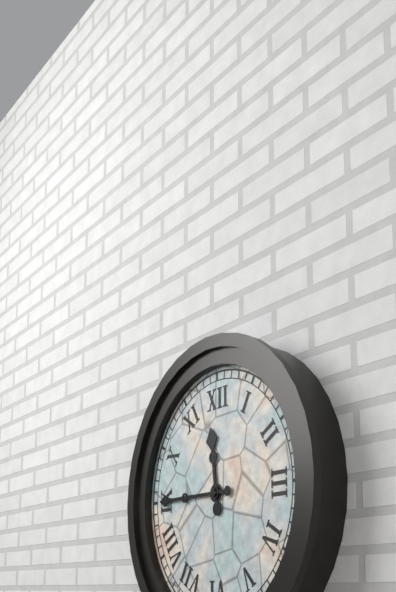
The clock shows 11h45
